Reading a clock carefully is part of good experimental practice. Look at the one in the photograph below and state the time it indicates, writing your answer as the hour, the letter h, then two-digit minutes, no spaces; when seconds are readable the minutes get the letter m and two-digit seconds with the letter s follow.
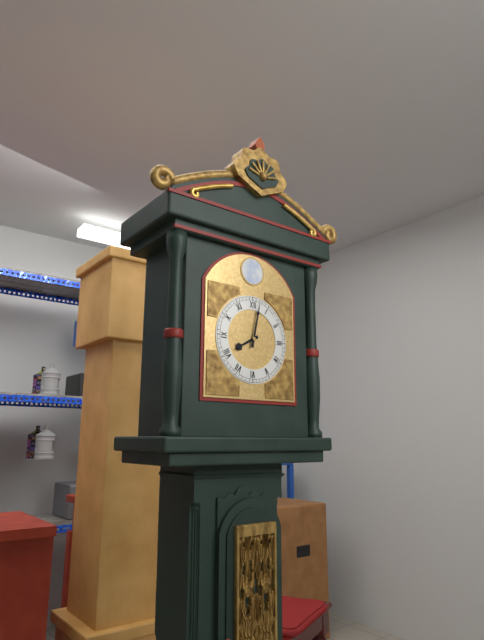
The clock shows 8h02
